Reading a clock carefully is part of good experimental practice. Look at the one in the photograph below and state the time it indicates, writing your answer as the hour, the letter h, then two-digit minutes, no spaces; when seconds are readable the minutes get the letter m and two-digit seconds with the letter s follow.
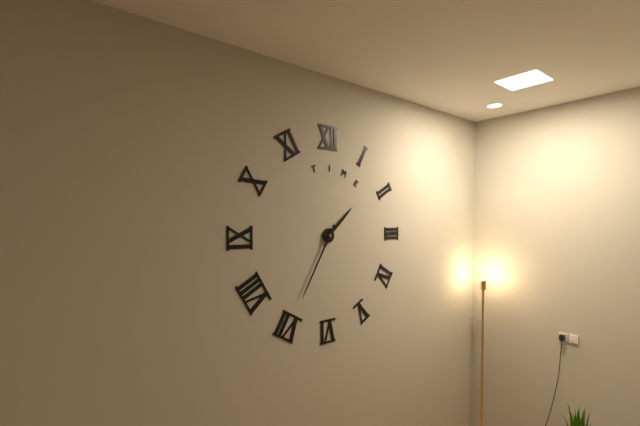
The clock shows 1h35
